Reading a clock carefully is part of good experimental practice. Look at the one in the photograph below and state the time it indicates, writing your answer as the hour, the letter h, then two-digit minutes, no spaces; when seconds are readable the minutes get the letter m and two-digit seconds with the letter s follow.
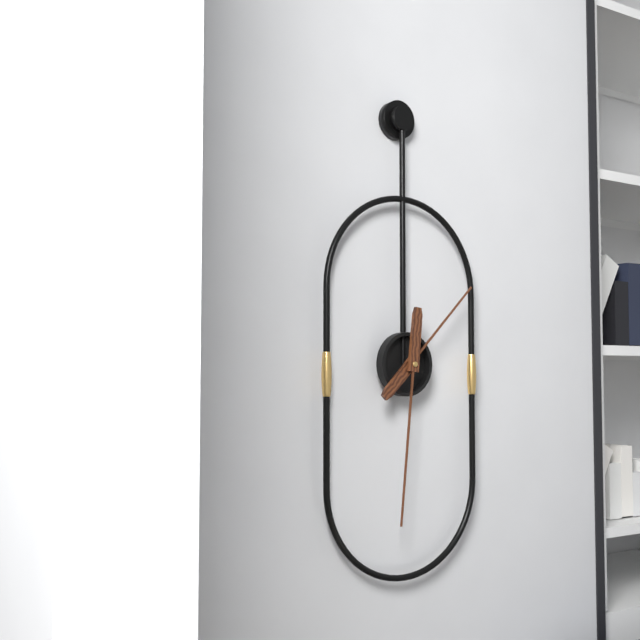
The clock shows 1h31
